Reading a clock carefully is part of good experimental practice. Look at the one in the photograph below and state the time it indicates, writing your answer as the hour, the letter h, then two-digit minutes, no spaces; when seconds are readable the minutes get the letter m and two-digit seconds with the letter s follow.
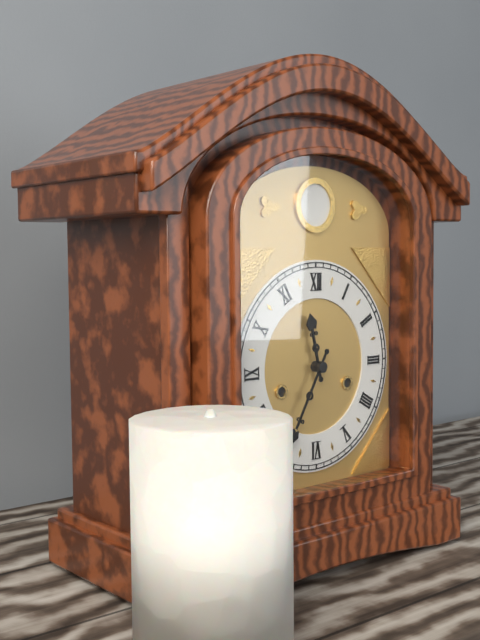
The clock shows 11h35
